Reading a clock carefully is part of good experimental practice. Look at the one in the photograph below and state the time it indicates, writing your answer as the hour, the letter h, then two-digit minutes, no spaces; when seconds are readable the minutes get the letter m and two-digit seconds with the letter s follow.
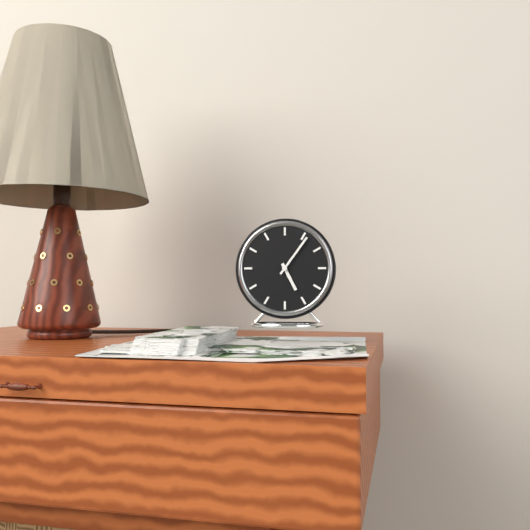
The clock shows 5h06
